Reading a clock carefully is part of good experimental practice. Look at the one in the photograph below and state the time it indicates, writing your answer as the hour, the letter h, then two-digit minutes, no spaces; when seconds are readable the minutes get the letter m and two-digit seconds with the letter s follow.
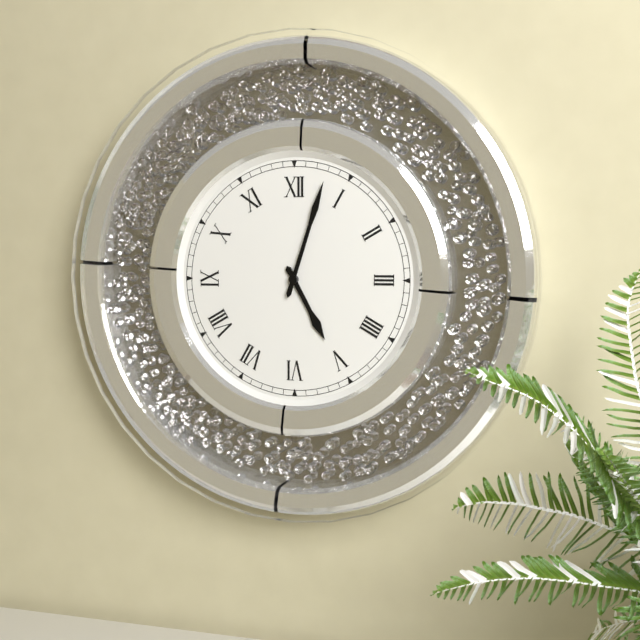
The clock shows 5h03
